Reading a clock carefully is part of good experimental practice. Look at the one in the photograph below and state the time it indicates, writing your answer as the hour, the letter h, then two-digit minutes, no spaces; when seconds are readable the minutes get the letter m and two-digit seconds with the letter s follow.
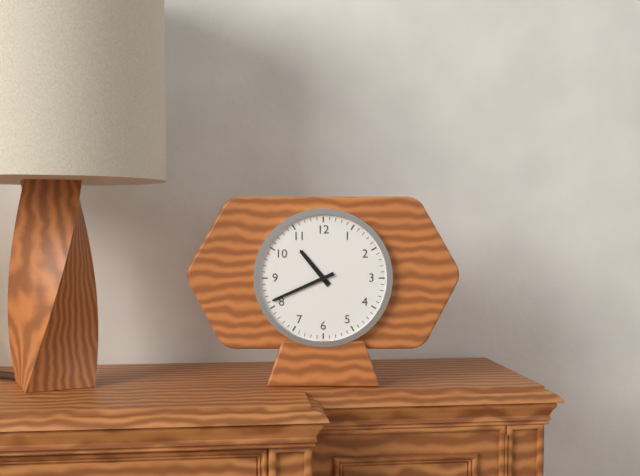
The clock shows 10h41
